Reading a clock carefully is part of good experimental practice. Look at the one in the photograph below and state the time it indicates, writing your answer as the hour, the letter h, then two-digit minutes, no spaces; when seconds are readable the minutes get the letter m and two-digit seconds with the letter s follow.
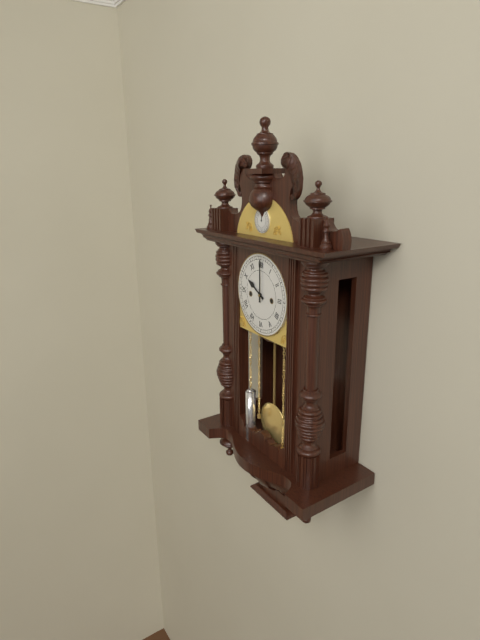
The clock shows 10h00
